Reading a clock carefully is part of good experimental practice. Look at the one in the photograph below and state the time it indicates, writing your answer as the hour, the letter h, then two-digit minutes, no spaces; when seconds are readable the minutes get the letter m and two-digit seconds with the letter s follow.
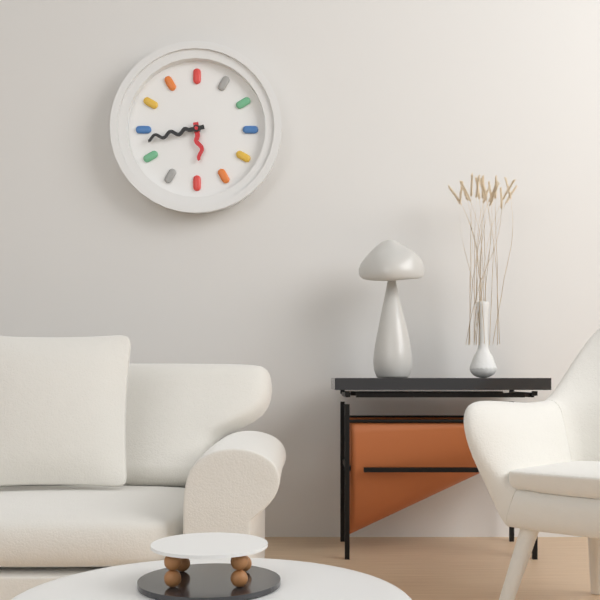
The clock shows 5h43
